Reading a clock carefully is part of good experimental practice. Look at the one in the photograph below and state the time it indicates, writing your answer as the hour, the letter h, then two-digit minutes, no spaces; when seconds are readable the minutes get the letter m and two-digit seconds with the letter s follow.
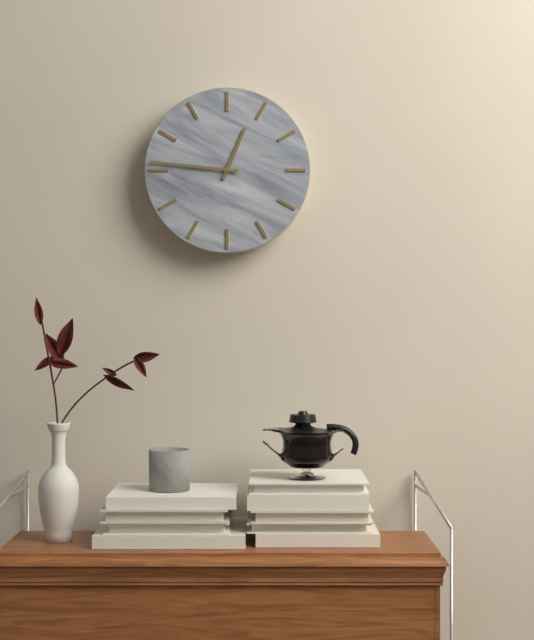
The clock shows 12h46
